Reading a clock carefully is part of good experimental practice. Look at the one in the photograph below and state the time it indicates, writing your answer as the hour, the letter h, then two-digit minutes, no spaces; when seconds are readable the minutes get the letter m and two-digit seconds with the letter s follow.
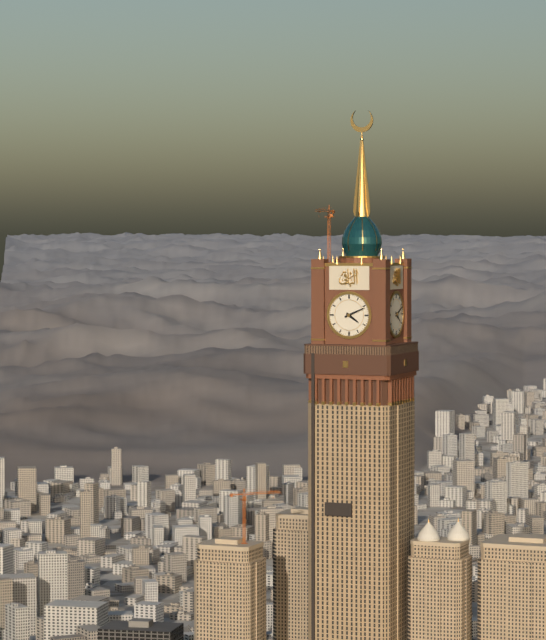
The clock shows 4h11
